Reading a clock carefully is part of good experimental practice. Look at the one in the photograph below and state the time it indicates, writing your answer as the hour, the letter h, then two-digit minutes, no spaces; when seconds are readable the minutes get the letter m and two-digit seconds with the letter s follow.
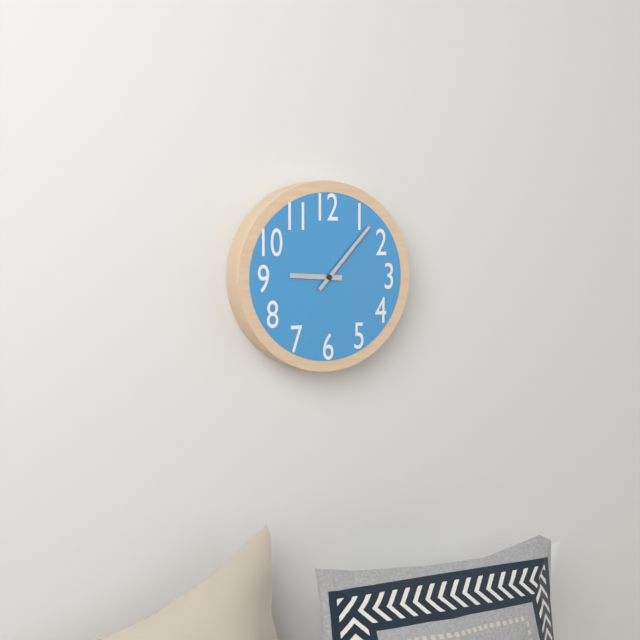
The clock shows 9h07
